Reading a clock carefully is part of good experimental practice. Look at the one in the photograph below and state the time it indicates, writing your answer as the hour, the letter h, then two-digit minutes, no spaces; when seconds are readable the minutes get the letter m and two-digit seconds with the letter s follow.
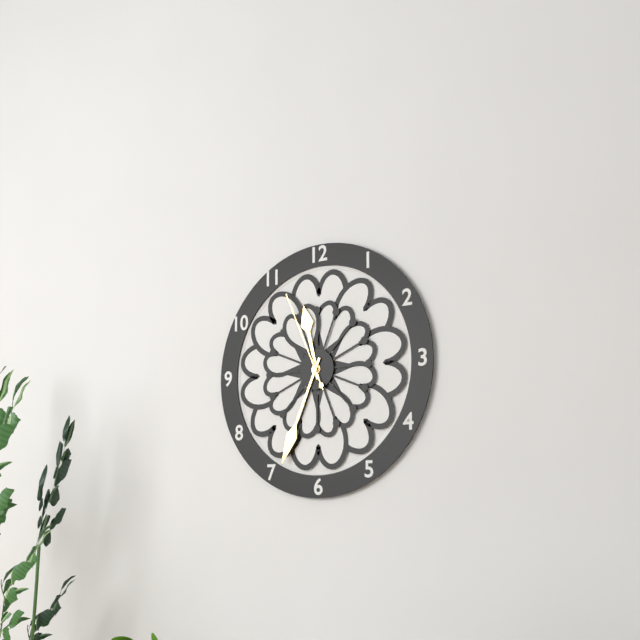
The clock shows 11h34m56s
